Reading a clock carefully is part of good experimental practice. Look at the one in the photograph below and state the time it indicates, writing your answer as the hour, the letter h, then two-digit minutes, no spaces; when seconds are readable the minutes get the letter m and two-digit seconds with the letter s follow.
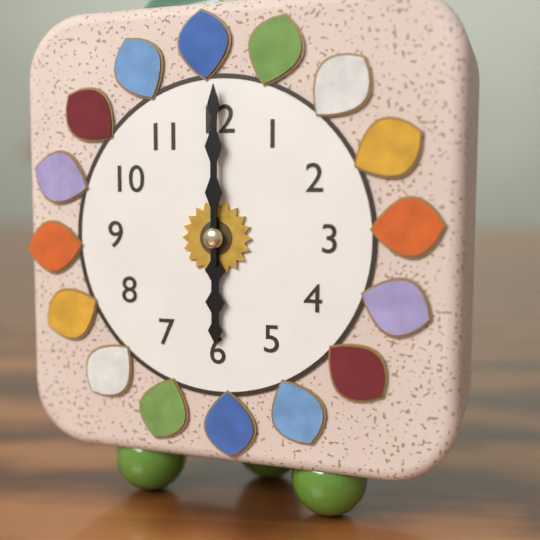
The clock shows 6h00
